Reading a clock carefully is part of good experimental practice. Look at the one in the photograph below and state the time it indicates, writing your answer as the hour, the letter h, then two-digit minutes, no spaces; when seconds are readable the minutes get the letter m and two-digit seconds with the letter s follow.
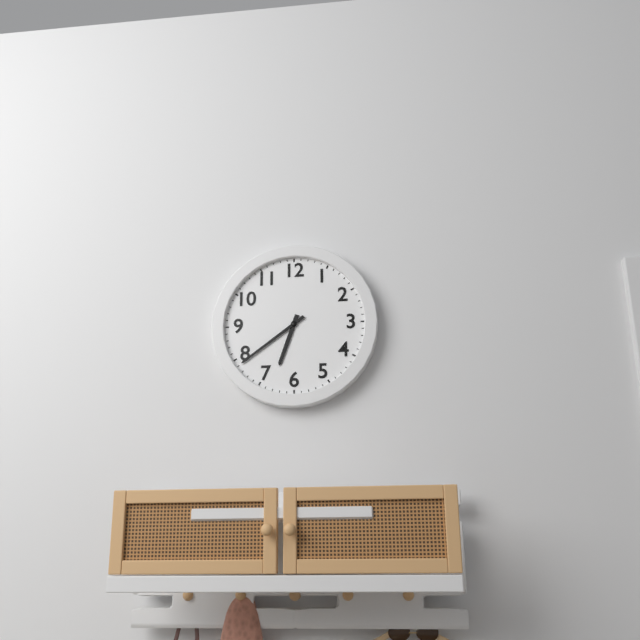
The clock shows 6h39
